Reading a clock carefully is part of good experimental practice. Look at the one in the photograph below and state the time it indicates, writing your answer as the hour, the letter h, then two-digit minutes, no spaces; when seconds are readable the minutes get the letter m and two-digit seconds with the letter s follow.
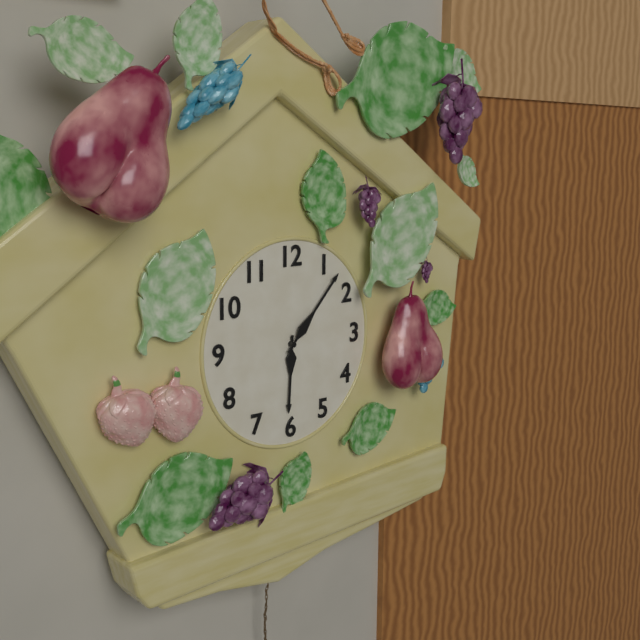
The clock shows 6h07
